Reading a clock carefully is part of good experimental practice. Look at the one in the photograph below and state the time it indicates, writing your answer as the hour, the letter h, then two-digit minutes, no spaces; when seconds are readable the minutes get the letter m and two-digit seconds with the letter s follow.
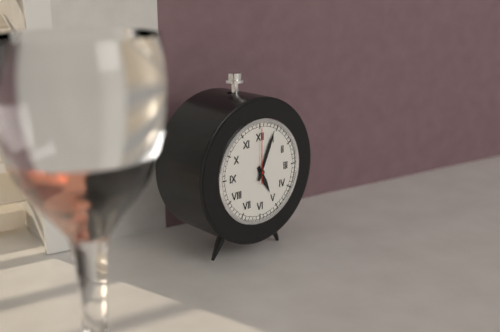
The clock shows 5h04m00s
